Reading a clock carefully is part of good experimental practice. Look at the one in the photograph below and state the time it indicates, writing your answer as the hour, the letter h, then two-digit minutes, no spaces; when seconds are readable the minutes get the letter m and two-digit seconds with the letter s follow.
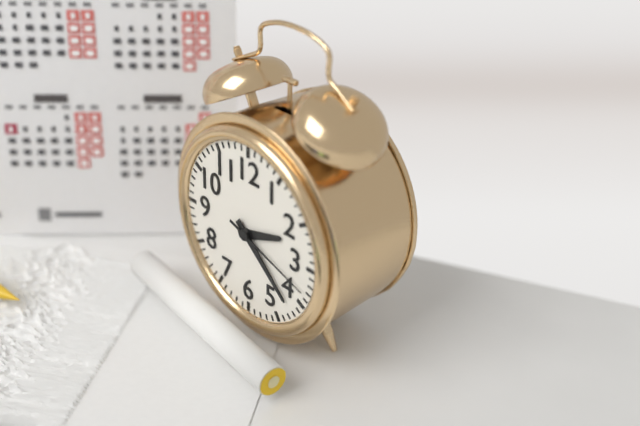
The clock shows 2h22m18s
